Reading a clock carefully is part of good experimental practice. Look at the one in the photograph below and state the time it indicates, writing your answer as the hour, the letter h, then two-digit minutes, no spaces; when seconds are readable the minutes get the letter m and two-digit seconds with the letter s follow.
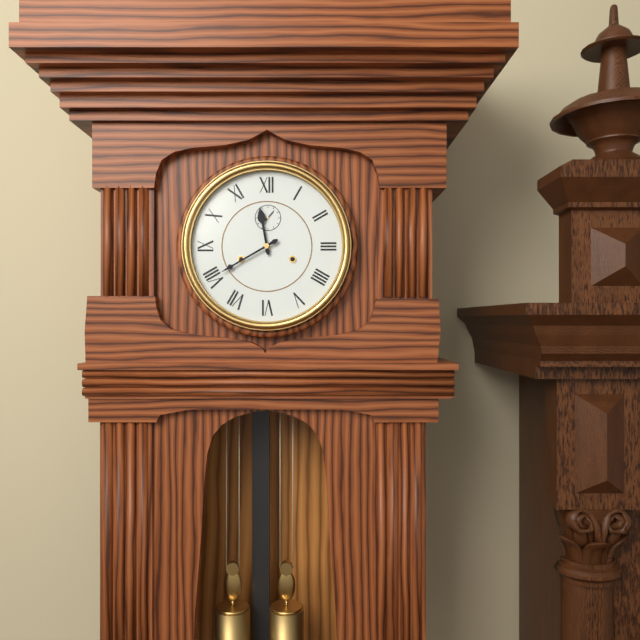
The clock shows 11h40
